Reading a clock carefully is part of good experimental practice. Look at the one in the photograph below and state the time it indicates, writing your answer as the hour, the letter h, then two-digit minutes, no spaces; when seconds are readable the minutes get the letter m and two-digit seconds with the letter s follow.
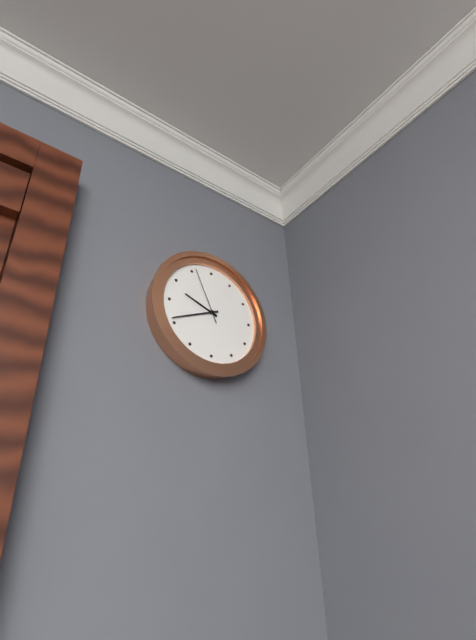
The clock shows 9h41m56s
